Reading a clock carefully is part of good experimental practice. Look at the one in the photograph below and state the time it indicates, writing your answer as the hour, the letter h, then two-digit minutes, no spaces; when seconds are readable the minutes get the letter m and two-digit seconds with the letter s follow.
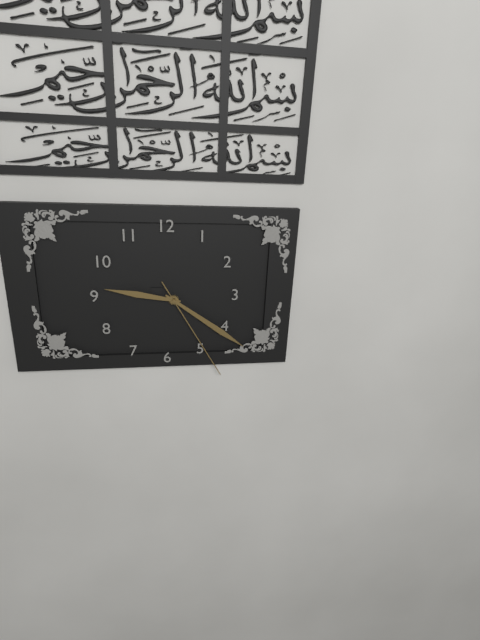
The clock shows 9h21m25s
